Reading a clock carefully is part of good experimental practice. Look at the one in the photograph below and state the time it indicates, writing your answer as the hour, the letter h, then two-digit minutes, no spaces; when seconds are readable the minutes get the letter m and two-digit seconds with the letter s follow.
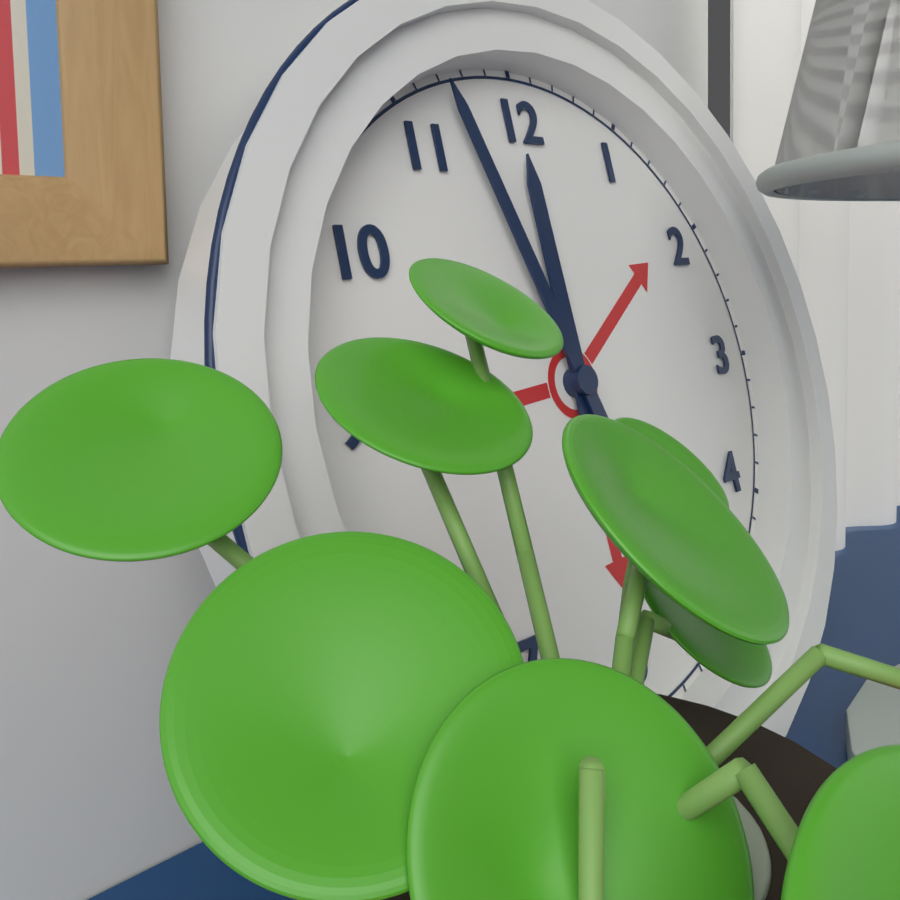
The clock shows 11h57
